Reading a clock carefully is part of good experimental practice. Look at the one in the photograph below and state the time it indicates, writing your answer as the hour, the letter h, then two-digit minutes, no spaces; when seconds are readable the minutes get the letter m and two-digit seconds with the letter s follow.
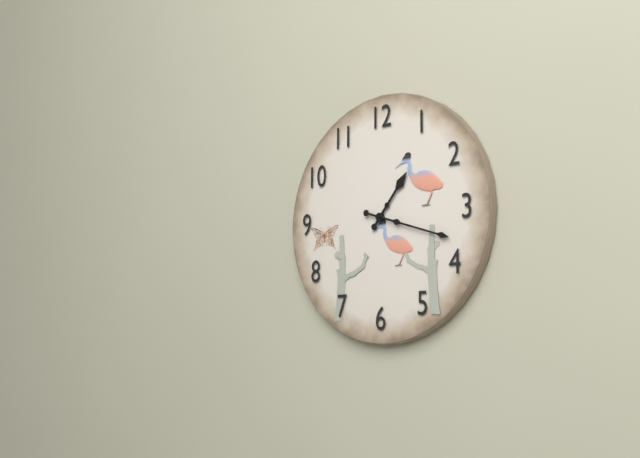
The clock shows 1h18
